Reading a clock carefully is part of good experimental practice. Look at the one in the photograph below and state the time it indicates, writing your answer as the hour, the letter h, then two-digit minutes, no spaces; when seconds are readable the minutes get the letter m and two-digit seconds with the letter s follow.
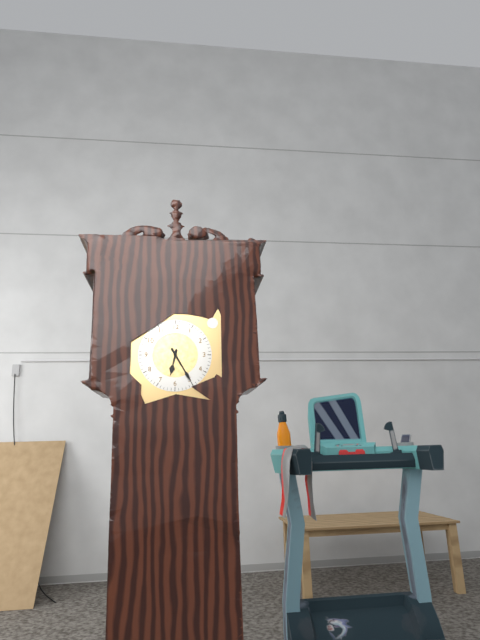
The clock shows 6h25
